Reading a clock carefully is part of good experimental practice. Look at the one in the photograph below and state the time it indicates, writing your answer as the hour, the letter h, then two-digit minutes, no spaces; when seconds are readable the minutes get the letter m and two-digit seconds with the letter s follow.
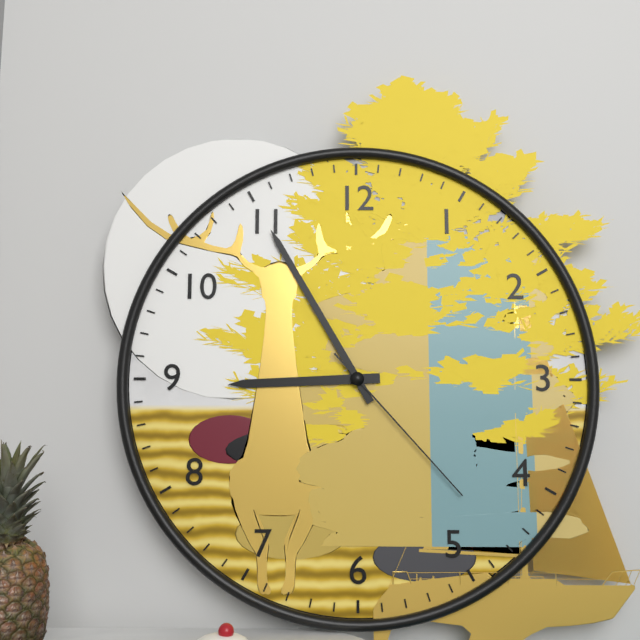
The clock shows 8h55m23s
